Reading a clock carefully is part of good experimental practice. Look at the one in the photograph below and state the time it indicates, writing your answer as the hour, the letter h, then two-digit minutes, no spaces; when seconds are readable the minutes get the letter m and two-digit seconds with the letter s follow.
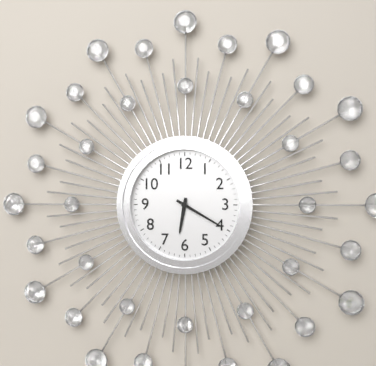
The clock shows 6h20
